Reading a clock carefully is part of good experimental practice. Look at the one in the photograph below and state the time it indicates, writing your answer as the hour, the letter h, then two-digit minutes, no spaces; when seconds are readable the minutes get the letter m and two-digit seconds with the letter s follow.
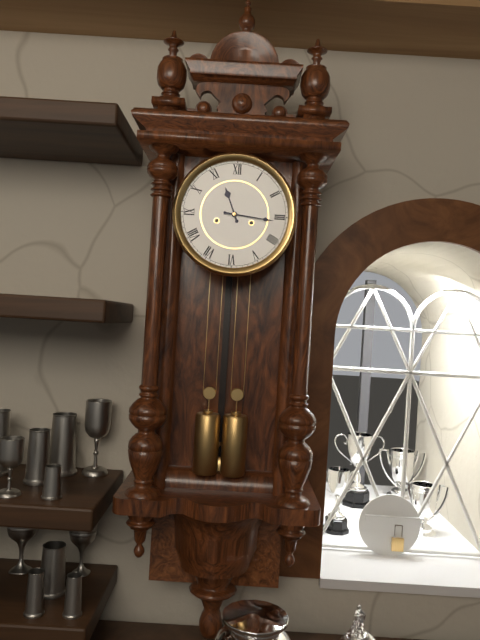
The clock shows 11h16
